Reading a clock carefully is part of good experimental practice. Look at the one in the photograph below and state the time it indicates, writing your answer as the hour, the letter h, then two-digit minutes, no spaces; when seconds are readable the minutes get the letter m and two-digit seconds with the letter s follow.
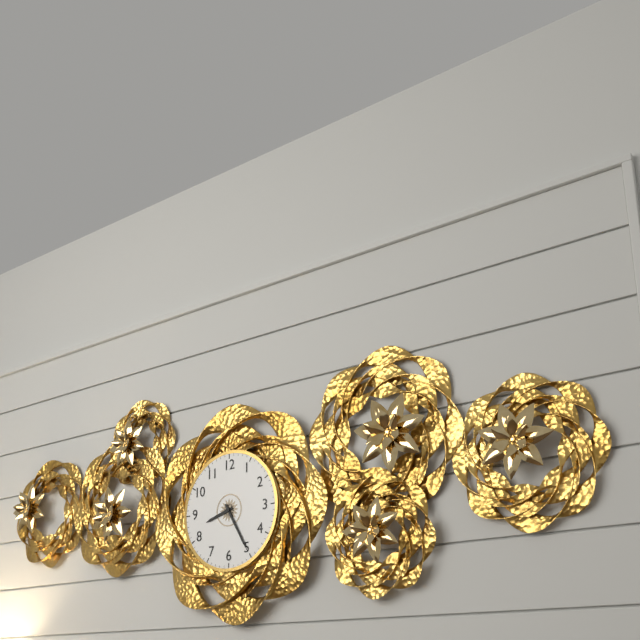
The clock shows 8h25
